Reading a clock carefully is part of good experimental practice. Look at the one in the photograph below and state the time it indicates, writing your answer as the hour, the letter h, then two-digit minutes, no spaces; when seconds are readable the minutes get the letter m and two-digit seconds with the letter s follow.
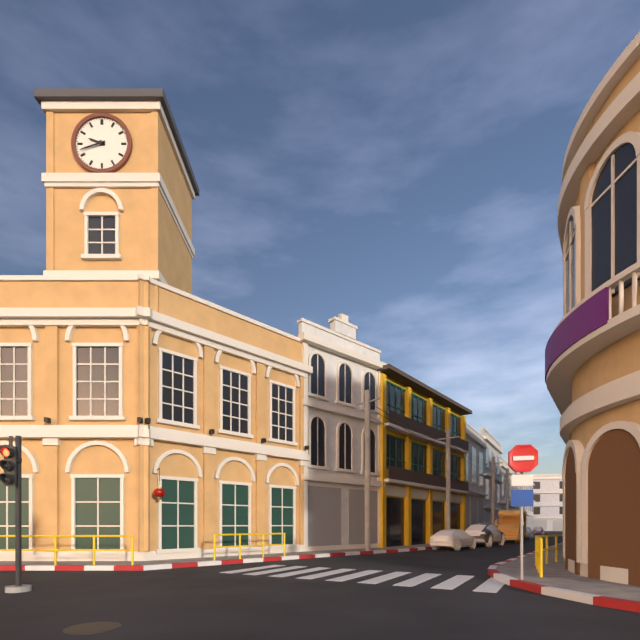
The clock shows 9h42
